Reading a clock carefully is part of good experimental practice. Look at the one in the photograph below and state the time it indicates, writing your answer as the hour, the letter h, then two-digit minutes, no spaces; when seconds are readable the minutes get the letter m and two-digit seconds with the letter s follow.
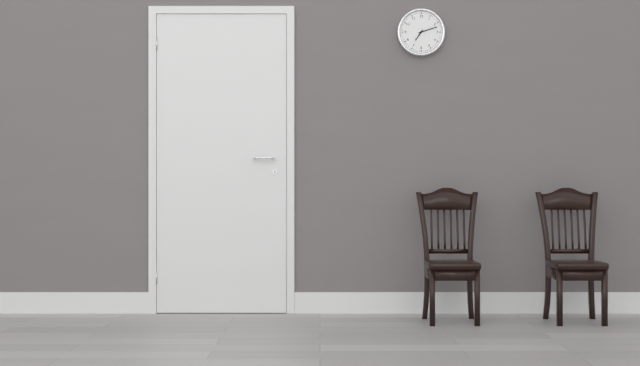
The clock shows 7h12
